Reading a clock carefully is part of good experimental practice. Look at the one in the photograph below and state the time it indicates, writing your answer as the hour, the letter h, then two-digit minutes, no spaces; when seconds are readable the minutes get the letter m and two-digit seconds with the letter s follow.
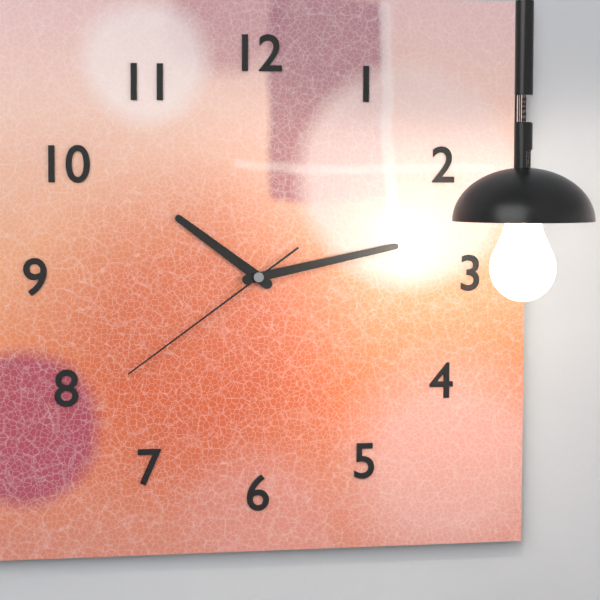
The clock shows 10h13m39s
